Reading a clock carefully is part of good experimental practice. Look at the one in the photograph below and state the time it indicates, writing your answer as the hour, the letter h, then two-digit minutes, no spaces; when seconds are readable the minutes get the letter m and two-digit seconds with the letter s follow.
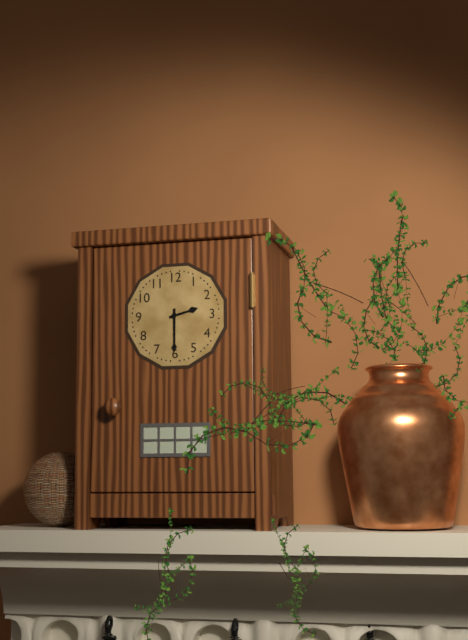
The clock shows 2h30
